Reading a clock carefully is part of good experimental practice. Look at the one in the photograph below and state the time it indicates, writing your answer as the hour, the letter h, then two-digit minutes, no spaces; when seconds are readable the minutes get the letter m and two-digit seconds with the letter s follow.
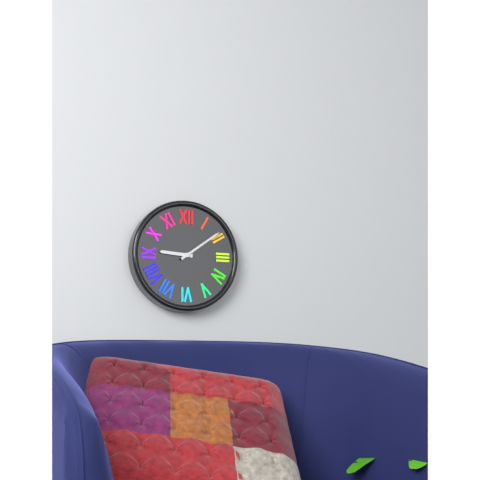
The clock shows 9h09
